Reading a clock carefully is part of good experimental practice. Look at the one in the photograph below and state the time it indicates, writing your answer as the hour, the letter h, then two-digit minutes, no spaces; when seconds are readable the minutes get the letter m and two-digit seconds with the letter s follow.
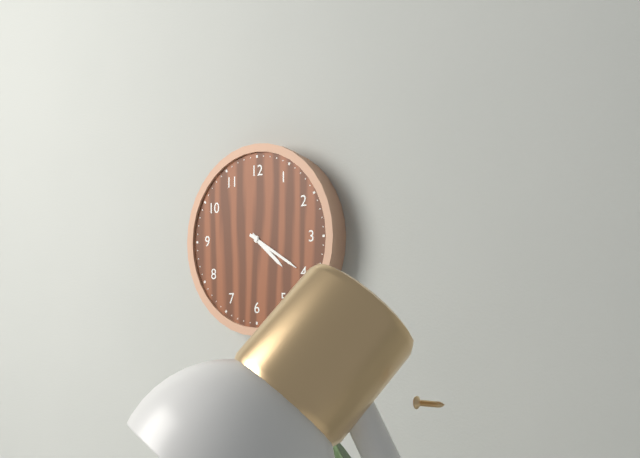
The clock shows 4h20
